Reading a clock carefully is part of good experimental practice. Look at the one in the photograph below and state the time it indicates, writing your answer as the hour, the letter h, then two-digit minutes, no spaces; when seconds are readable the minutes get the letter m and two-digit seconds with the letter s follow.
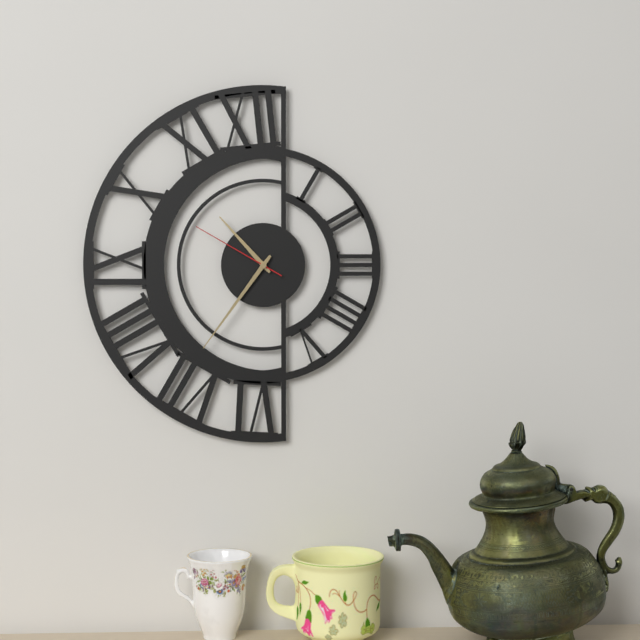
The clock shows 10h36m50s
